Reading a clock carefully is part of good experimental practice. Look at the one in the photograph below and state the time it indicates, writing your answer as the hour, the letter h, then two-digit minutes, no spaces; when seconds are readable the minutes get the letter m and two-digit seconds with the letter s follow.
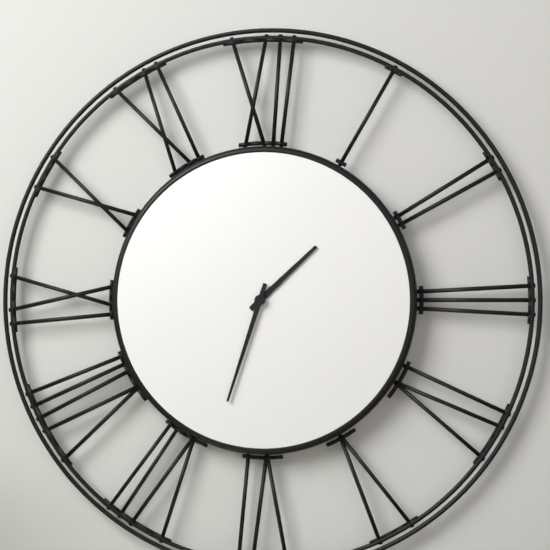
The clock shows 1h33
